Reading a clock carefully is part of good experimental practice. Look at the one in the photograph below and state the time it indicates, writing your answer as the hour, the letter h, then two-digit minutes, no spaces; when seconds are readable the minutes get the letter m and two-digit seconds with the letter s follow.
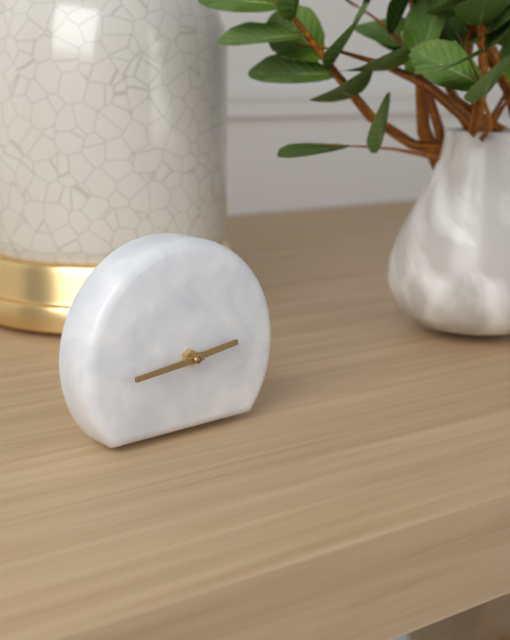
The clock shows 2h44
